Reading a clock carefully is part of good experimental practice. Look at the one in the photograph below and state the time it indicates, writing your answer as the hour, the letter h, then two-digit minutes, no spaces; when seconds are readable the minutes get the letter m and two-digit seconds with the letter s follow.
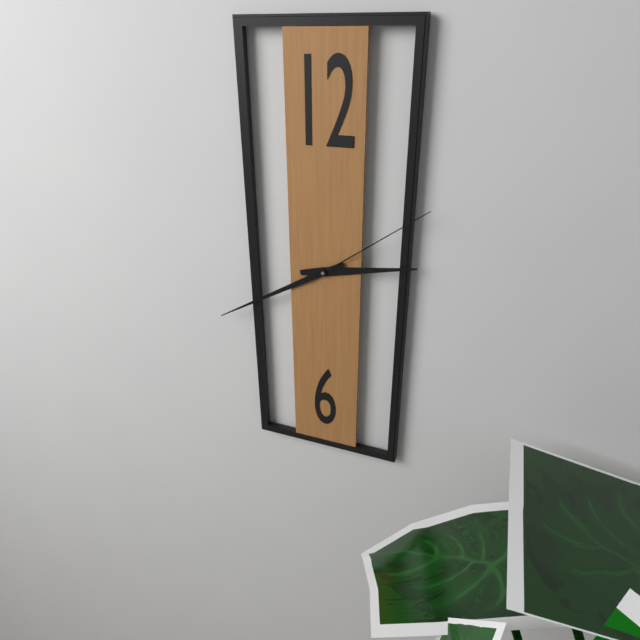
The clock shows 2h40m09s
